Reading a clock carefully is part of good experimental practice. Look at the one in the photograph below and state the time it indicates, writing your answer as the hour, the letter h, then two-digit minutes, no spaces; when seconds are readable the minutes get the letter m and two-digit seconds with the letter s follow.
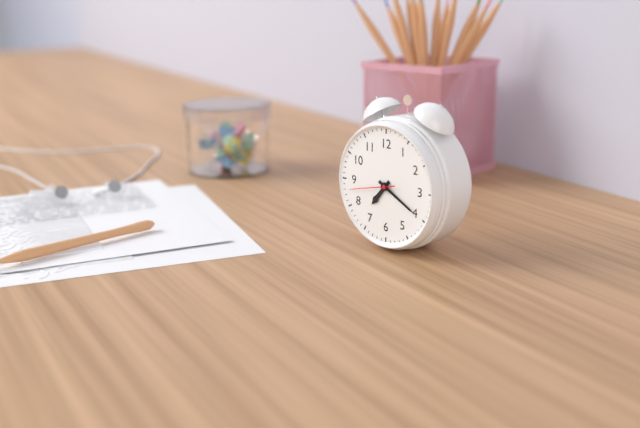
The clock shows 7h20
